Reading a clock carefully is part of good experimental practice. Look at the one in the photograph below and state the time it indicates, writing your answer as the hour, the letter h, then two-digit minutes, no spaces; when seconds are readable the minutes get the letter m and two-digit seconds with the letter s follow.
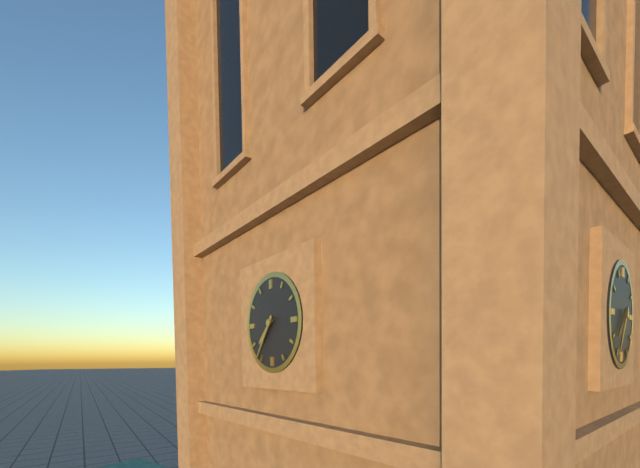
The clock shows 7h36
